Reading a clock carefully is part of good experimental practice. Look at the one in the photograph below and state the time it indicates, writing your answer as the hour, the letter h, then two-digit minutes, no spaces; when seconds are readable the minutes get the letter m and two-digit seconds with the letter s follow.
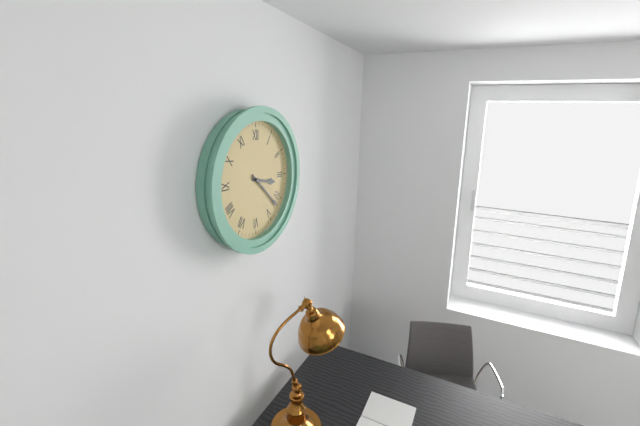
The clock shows 3h22
